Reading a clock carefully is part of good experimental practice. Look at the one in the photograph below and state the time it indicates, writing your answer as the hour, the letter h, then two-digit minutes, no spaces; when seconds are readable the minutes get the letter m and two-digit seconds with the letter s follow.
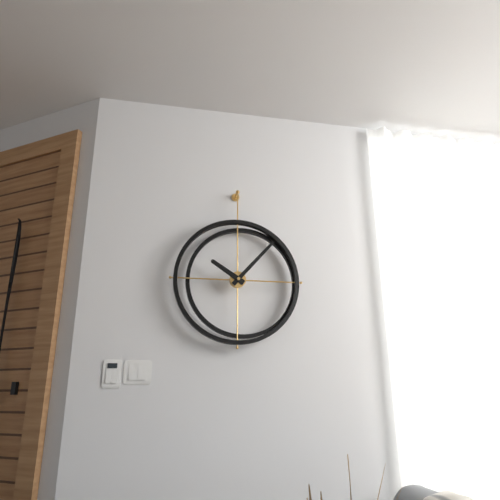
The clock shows 10h07
